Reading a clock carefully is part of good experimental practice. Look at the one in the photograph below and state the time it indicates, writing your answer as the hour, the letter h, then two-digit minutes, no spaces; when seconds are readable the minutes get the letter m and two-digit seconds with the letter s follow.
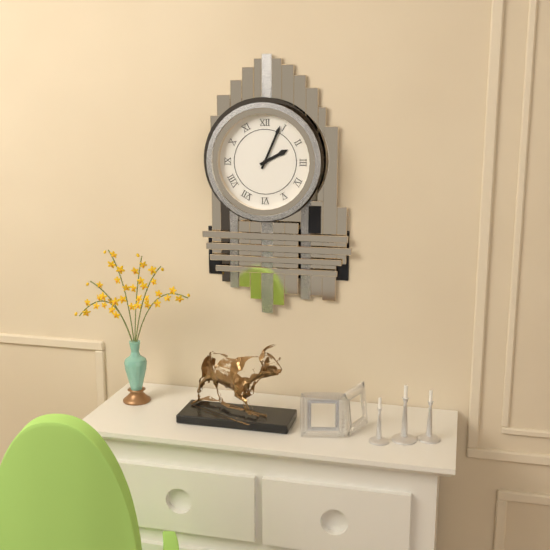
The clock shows 2h04
